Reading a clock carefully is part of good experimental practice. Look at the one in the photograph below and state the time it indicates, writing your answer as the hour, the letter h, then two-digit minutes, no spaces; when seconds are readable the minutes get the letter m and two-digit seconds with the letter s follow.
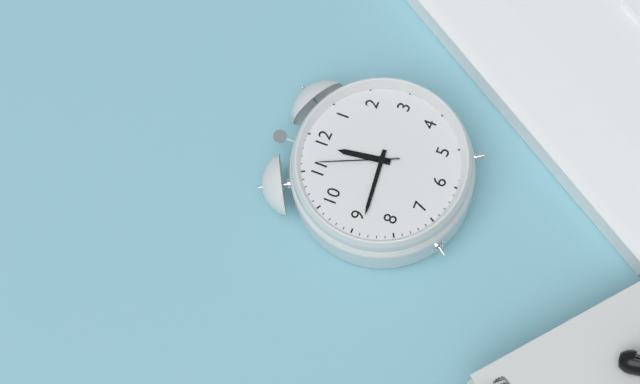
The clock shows 11h44m56s
